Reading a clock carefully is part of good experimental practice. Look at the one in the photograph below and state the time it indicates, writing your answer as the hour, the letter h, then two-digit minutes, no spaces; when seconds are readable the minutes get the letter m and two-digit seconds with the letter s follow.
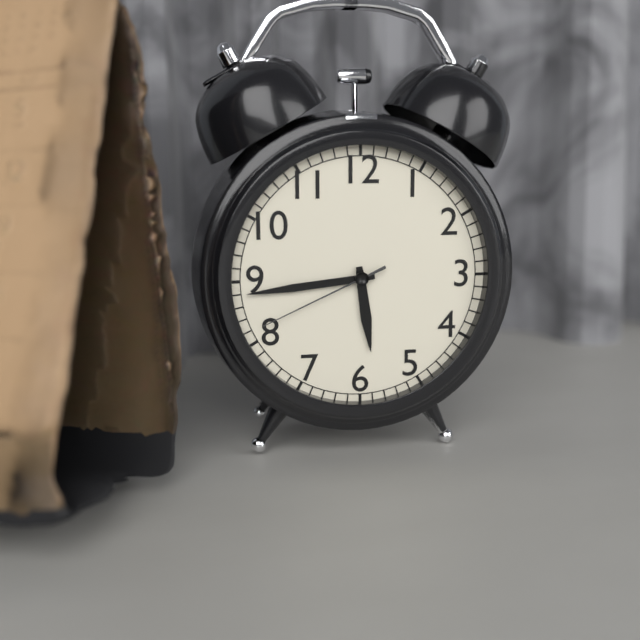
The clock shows 5h44m41s
